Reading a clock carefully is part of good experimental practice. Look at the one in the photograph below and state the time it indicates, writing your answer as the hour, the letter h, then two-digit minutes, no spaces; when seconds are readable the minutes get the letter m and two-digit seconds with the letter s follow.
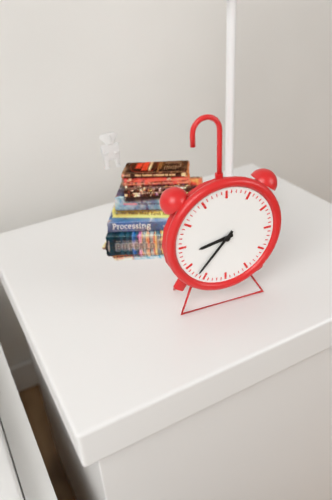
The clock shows 8h37
